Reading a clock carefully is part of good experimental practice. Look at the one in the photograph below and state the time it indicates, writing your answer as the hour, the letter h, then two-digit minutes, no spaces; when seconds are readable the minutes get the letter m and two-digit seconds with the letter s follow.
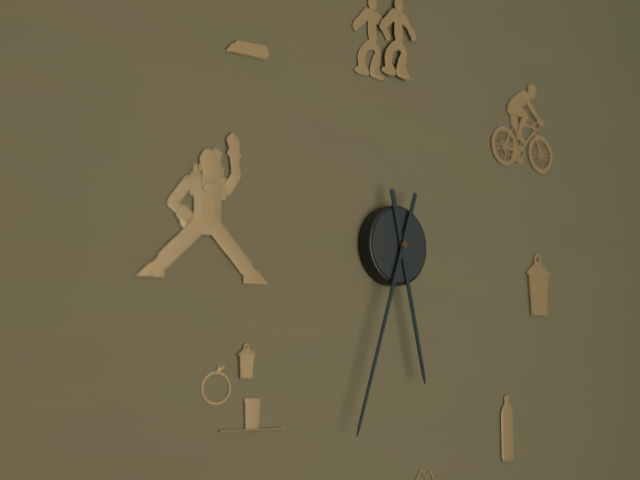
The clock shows 5h33
